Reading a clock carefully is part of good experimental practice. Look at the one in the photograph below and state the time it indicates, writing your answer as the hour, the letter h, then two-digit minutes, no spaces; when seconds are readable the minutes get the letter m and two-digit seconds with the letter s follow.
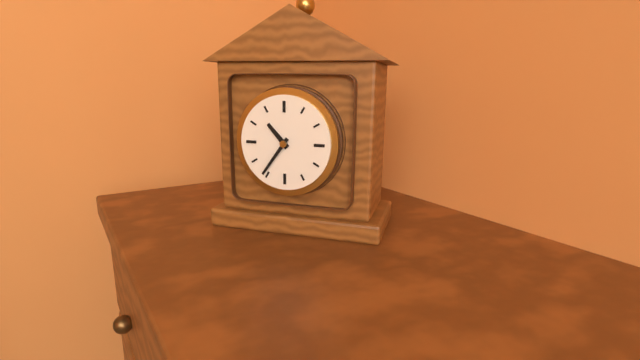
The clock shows 10h36
